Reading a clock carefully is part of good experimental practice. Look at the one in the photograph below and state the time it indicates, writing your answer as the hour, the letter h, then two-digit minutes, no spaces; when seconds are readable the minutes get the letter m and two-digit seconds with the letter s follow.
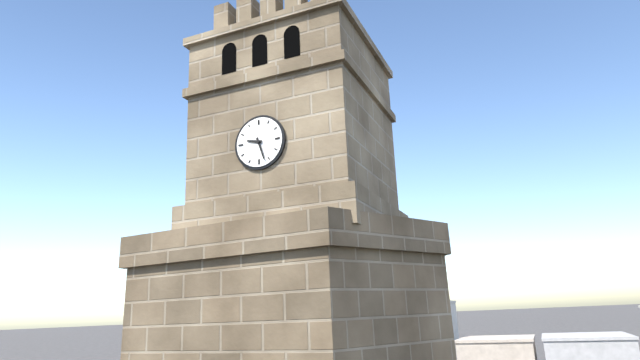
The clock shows 9h27
